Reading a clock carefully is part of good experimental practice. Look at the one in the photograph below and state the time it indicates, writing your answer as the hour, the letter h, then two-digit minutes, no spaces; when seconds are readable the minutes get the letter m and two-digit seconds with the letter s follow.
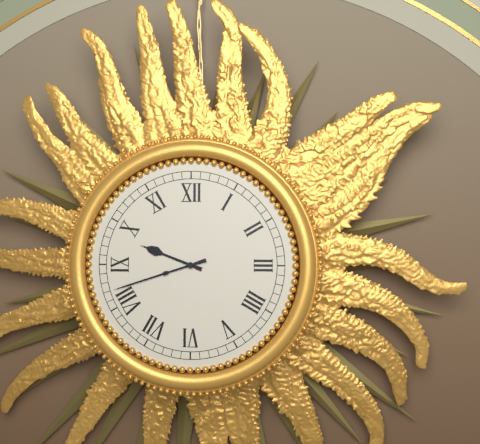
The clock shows 9h42
